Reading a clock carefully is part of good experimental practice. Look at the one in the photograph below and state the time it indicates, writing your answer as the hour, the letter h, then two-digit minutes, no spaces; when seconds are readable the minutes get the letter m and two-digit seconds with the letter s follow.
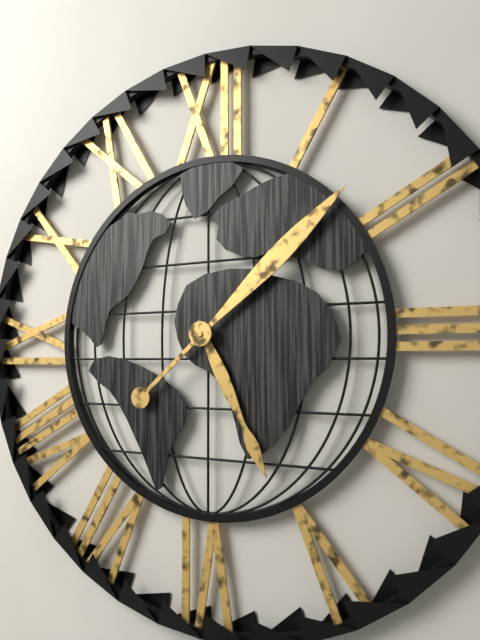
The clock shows 5h08
